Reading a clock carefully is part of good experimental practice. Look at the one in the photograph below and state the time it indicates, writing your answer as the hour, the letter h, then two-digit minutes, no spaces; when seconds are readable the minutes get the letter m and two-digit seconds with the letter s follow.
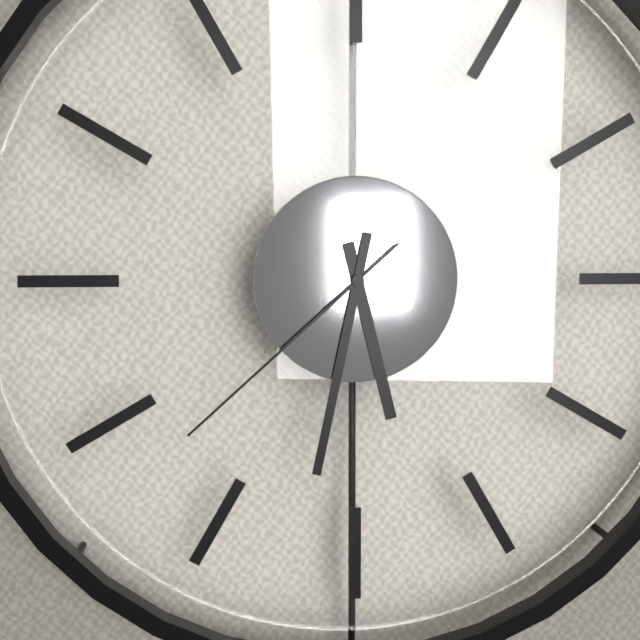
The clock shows 5h32m38s
